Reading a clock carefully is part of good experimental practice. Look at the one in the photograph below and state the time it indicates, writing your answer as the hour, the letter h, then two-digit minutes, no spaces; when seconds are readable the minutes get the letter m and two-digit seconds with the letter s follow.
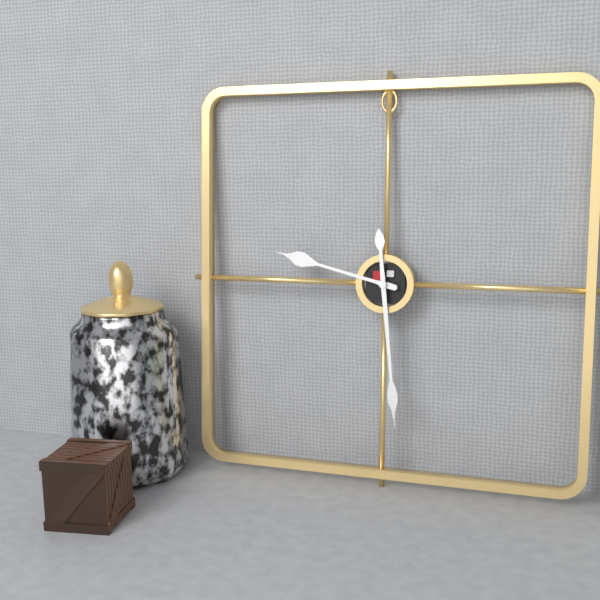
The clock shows 9h29
